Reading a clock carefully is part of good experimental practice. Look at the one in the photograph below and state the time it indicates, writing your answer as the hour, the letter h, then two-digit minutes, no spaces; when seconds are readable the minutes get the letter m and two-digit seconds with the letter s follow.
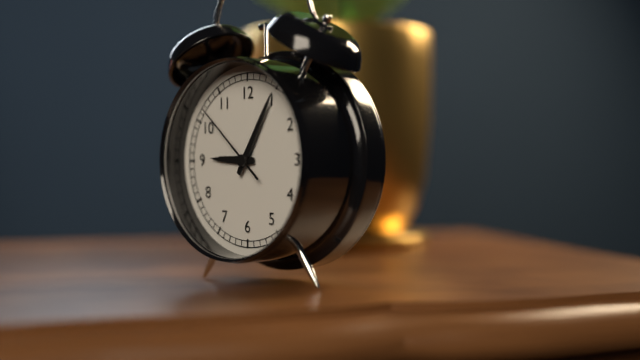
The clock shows 9h05m52s
